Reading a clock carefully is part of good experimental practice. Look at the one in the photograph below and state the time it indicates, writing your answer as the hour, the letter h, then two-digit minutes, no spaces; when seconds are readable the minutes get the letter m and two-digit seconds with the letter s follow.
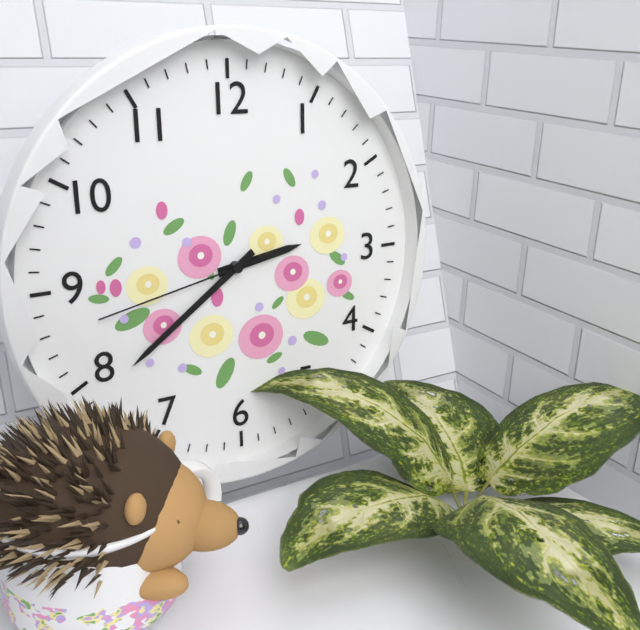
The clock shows 2h39m43s
